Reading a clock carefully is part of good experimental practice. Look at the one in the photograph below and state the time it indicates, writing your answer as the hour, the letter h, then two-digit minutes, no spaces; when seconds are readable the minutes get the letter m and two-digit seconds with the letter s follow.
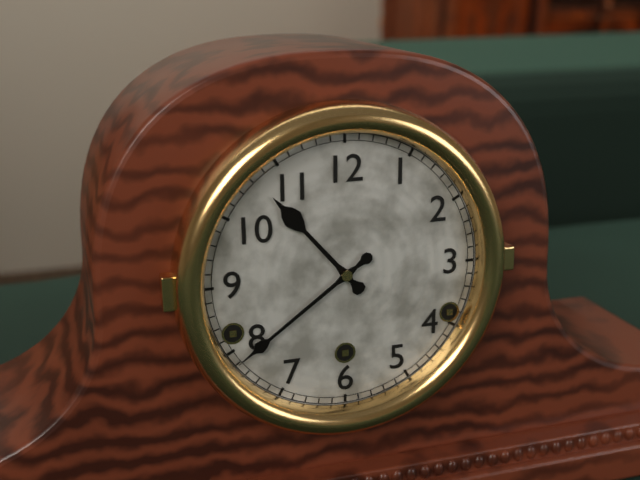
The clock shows 10h39
